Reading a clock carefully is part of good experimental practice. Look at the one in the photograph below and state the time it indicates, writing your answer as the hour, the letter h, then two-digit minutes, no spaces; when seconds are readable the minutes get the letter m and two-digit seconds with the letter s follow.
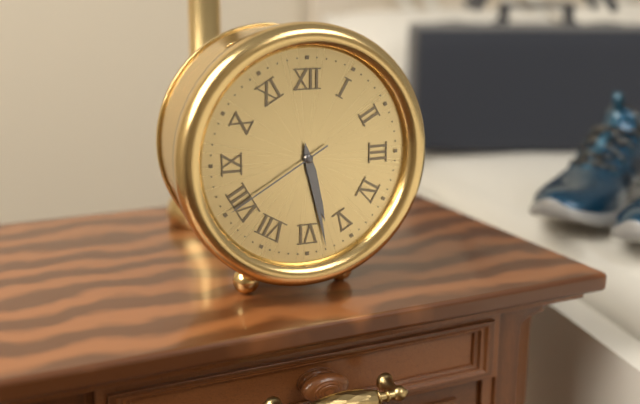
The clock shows 5h28m40s
